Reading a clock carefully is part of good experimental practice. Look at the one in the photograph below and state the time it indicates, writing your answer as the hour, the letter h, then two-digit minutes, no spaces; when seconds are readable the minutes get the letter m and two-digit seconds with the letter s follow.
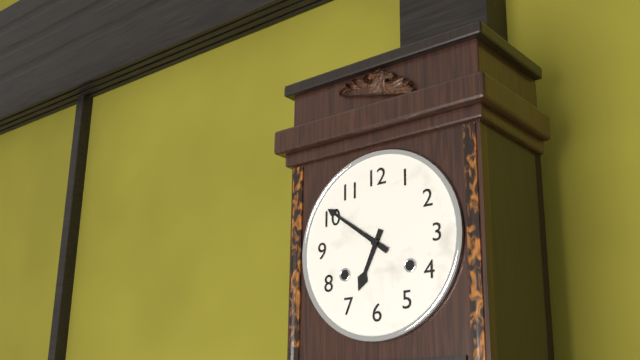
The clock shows 6h51
